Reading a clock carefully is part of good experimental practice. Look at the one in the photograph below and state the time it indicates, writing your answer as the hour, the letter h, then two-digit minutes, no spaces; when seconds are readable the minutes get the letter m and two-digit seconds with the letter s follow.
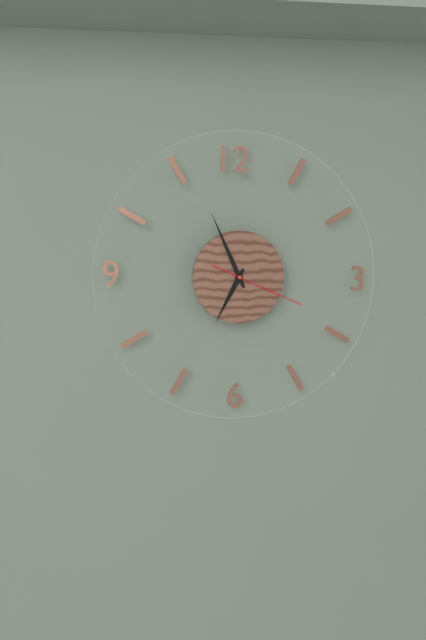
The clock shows 6h56m19s
